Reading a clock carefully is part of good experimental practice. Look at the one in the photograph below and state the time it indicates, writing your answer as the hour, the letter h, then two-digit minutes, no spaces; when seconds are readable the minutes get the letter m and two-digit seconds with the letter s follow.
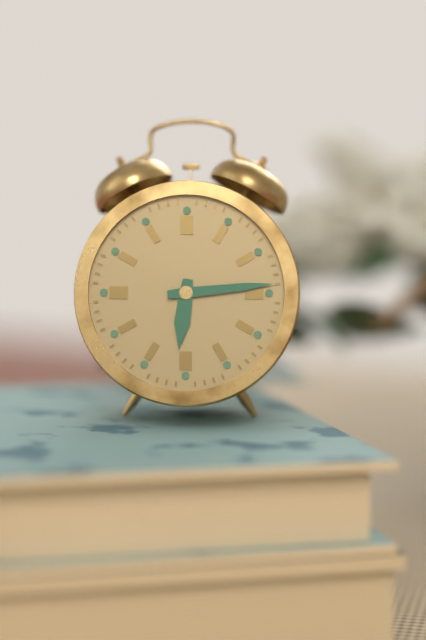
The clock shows 6h14
